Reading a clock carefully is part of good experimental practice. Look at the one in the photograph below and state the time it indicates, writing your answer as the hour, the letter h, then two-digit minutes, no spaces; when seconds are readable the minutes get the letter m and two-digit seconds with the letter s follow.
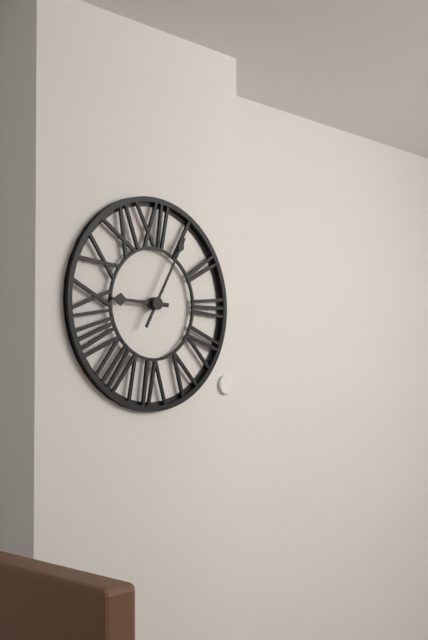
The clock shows 9h05
